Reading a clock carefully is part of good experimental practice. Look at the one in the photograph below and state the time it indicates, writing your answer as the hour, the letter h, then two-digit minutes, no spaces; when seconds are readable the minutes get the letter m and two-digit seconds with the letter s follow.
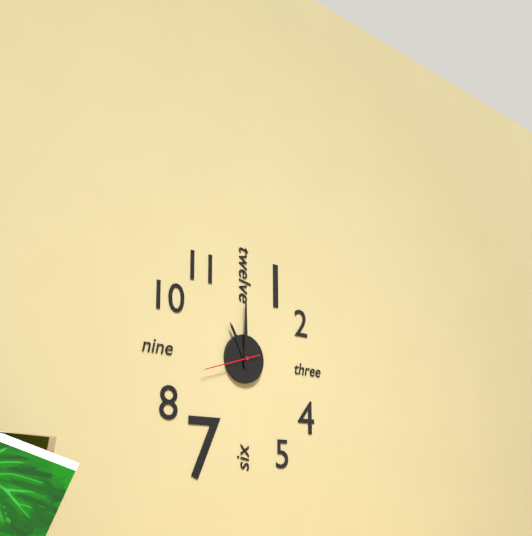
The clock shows 11h00m42s
